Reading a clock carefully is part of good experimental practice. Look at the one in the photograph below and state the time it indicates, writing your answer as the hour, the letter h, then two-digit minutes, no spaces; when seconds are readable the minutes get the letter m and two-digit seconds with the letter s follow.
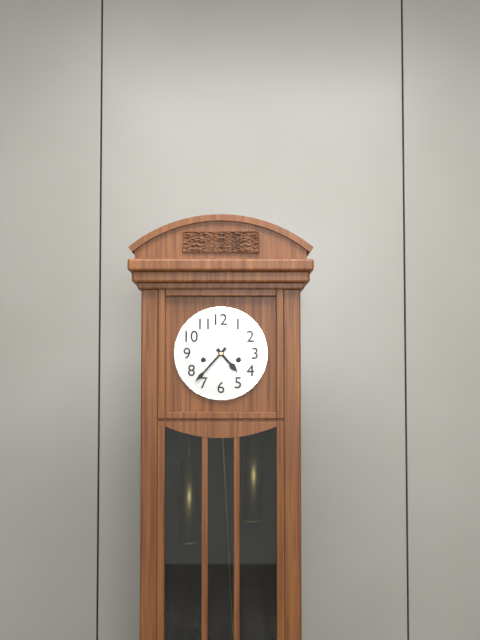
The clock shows 4h37
